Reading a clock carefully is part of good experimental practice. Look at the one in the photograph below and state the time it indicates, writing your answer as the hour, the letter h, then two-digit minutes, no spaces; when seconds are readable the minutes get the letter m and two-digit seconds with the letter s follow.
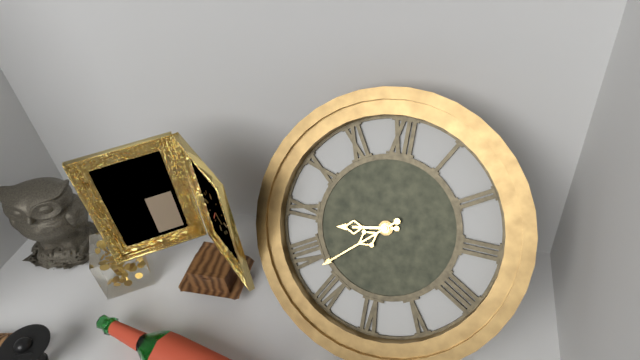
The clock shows 8h38
